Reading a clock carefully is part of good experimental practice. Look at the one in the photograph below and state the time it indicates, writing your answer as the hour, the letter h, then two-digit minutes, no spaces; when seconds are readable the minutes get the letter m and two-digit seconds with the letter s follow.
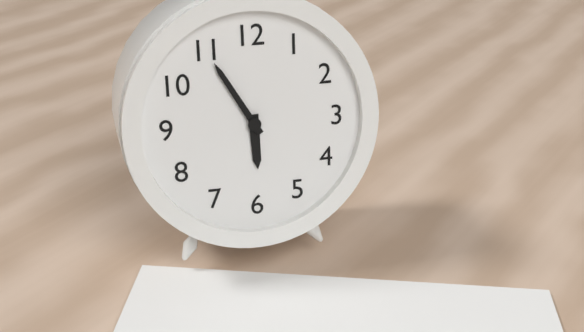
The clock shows 5h55
